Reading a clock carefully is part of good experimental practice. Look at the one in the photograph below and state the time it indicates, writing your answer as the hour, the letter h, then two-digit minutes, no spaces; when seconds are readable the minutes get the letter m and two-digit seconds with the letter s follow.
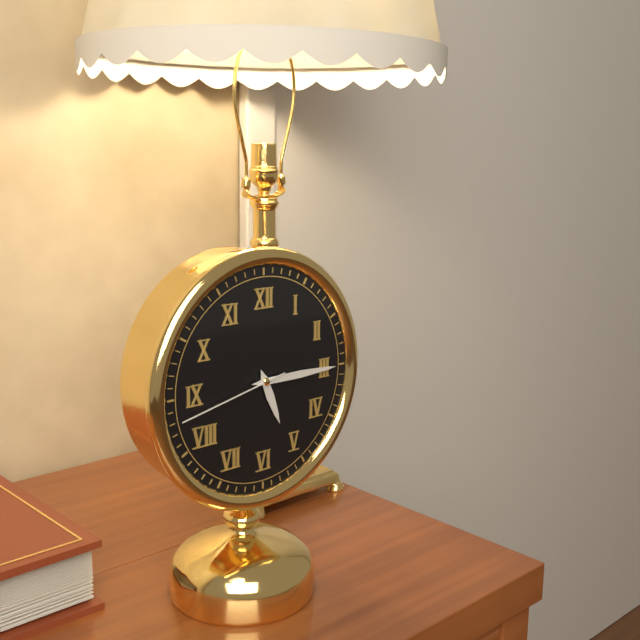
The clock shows 5h15m43s
